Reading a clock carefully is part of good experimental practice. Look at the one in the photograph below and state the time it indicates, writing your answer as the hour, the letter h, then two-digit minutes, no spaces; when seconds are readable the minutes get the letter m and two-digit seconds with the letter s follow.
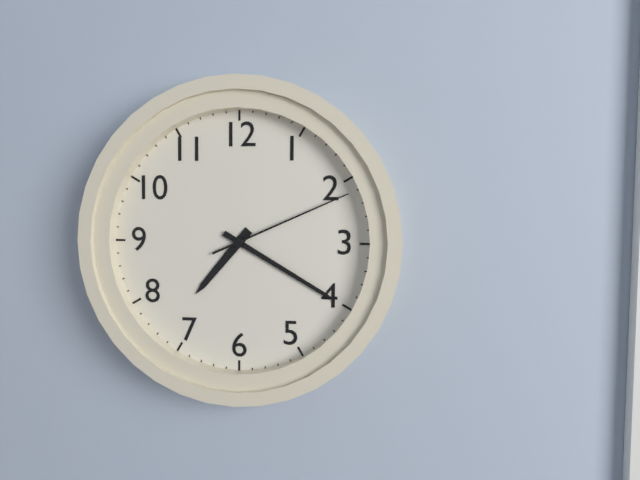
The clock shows 7h20m11s
